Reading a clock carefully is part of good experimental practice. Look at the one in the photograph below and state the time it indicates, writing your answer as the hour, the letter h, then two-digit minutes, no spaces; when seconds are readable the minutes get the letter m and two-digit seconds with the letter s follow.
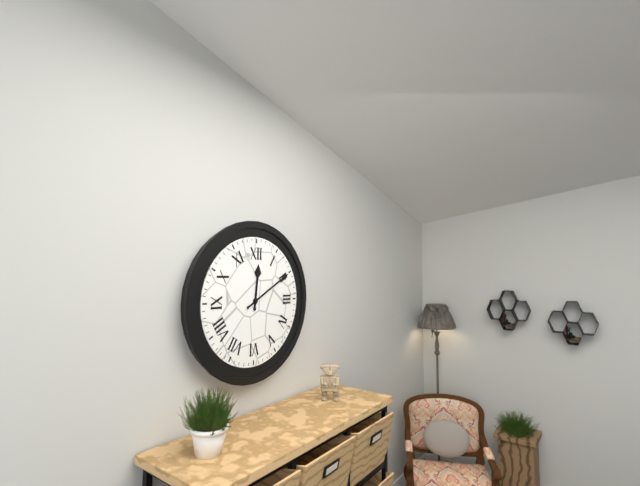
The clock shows 12h10
